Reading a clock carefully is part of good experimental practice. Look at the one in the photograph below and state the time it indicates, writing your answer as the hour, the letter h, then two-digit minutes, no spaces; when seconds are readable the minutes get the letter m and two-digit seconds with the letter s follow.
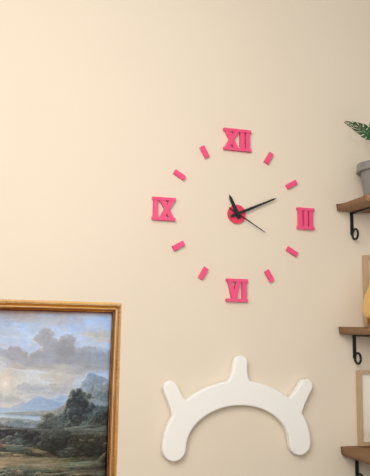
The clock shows 11h11
